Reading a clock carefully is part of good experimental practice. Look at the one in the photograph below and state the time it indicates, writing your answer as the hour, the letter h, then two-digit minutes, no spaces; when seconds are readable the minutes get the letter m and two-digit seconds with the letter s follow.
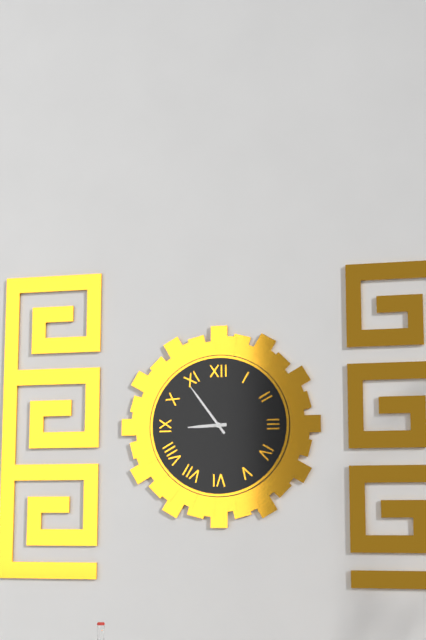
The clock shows 8h54
